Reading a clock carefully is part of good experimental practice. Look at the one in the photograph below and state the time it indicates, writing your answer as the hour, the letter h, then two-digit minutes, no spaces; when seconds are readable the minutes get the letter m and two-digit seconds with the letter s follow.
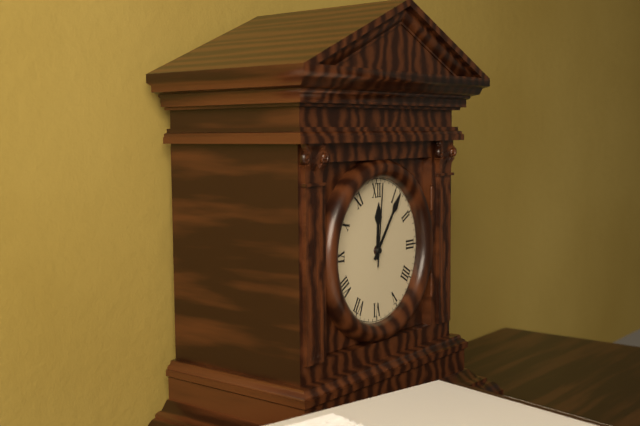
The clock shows 12h06m01s
